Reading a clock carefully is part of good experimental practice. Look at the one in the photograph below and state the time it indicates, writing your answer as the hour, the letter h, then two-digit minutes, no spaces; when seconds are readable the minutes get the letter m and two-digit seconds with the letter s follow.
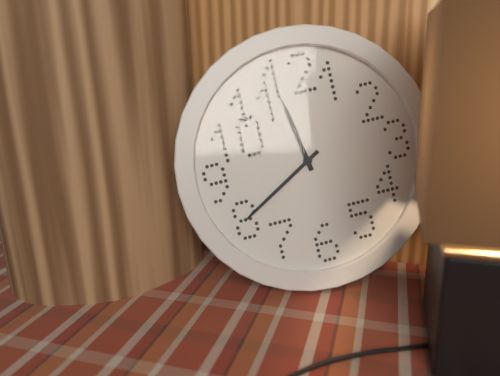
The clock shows 11h40
